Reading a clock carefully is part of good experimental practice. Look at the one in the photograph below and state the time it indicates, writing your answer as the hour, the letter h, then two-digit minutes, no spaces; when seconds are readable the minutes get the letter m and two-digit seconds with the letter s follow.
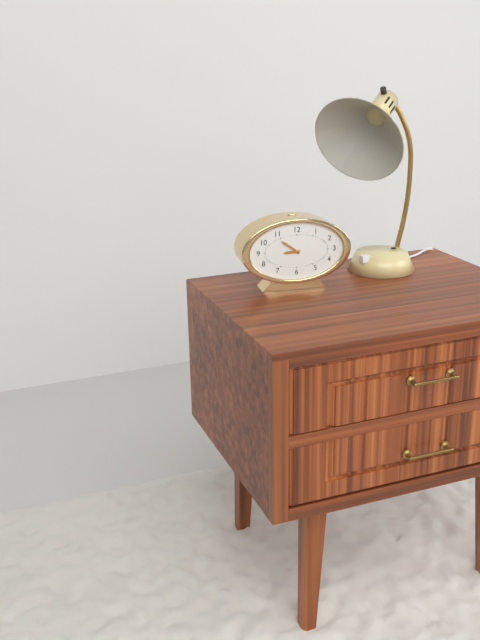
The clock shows 8h51
